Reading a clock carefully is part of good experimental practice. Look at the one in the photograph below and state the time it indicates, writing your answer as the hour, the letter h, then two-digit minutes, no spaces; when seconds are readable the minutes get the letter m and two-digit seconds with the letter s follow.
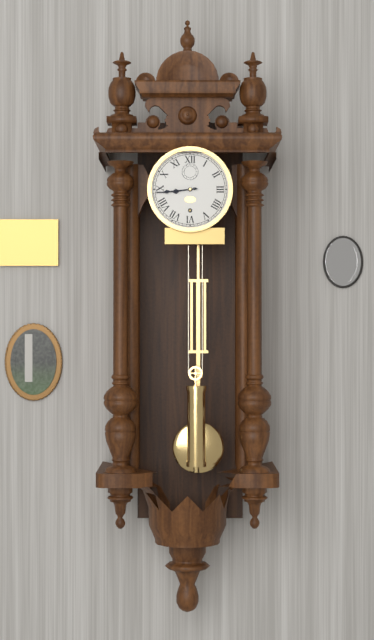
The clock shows 8h44
